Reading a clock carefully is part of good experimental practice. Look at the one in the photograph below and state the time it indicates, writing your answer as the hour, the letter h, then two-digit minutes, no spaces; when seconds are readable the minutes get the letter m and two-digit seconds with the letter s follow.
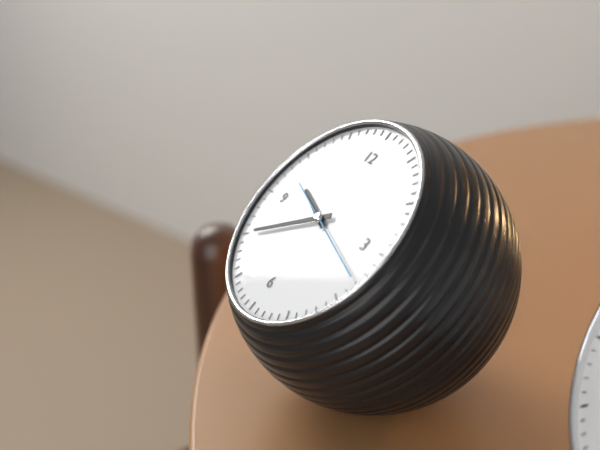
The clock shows 9h40m18s
